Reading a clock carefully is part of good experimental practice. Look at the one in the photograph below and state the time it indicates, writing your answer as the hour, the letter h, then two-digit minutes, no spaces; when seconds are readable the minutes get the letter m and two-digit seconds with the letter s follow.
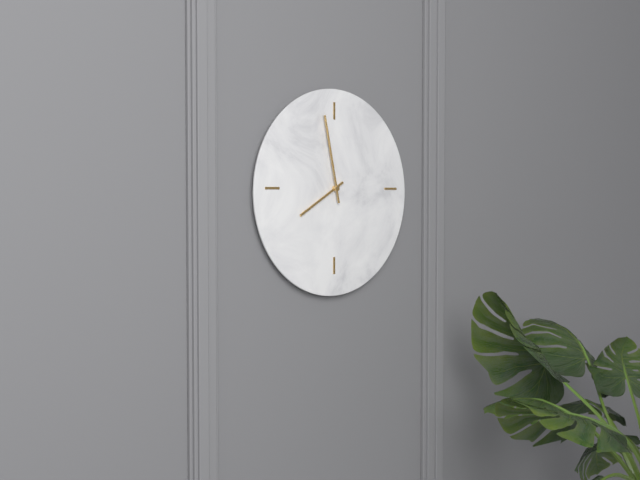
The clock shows 7h58
